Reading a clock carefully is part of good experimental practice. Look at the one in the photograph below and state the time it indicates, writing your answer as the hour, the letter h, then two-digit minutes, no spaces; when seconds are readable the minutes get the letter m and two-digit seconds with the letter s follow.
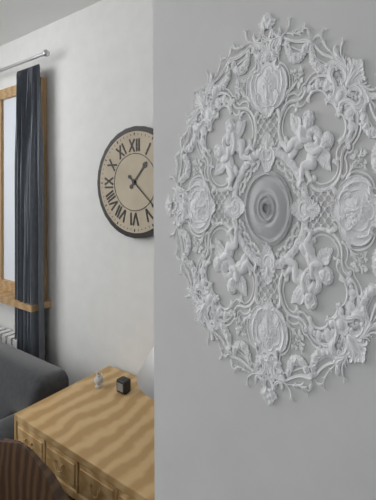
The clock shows 1h22
